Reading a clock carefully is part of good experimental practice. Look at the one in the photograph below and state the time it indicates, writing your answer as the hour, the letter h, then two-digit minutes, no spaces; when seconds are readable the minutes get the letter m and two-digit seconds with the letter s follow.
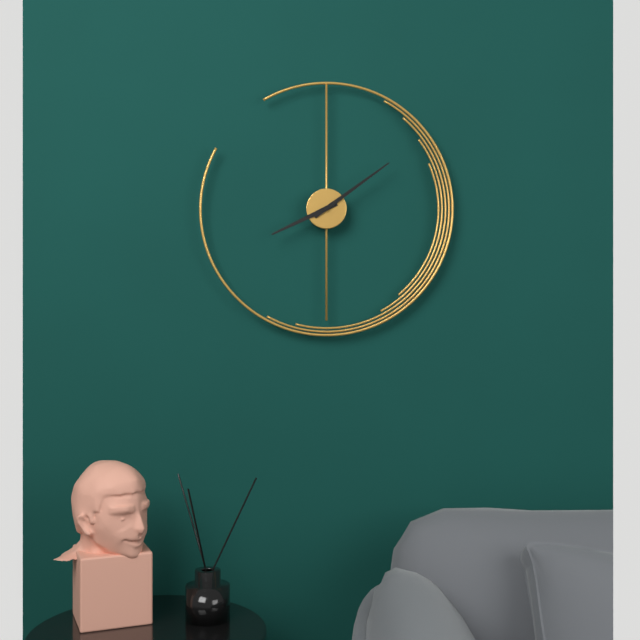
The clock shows 8h09
